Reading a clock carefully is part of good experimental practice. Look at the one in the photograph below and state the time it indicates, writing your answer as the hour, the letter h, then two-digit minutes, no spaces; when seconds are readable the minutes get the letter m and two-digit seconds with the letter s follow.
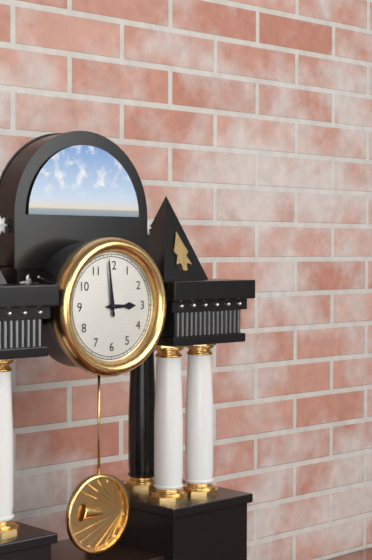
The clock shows 2h59
